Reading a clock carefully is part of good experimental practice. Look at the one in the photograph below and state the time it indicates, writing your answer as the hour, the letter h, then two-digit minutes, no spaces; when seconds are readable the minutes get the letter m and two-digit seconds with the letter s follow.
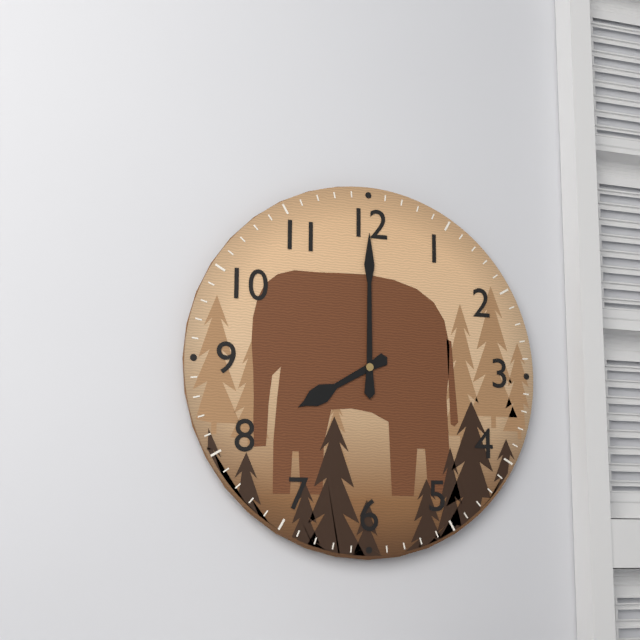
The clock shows 8h00
